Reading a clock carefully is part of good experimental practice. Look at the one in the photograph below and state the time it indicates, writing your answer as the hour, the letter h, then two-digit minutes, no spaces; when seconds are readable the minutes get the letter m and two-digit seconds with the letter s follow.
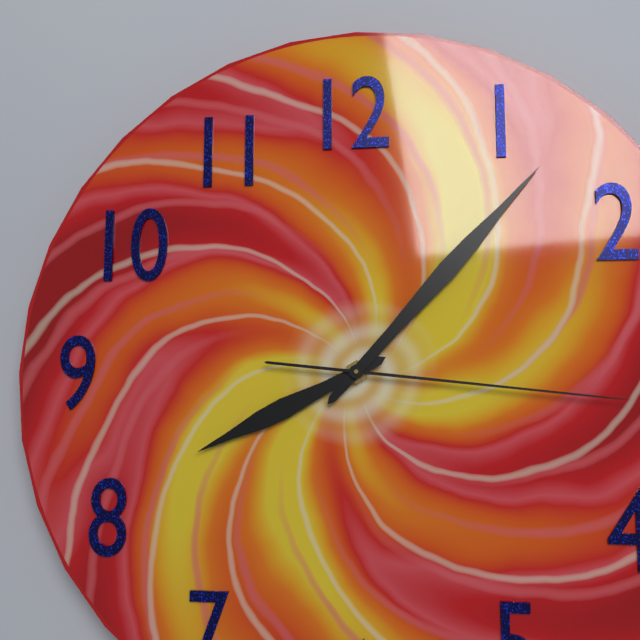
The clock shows 8h07m16s
